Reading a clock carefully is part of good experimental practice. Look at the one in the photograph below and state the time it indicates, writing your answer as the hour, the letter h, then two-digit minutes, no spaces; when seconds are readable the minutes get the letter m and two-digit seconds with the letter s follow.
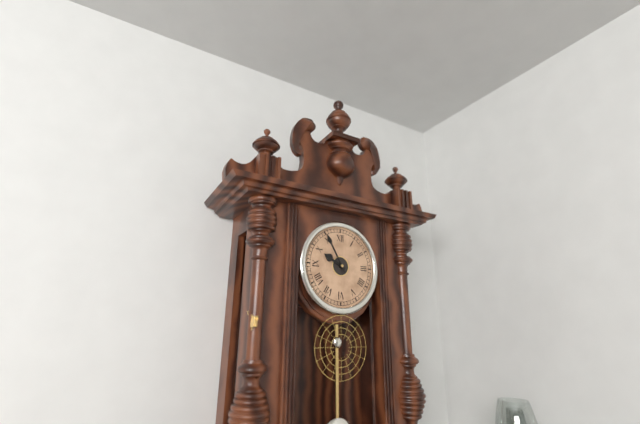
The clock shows 9h55
